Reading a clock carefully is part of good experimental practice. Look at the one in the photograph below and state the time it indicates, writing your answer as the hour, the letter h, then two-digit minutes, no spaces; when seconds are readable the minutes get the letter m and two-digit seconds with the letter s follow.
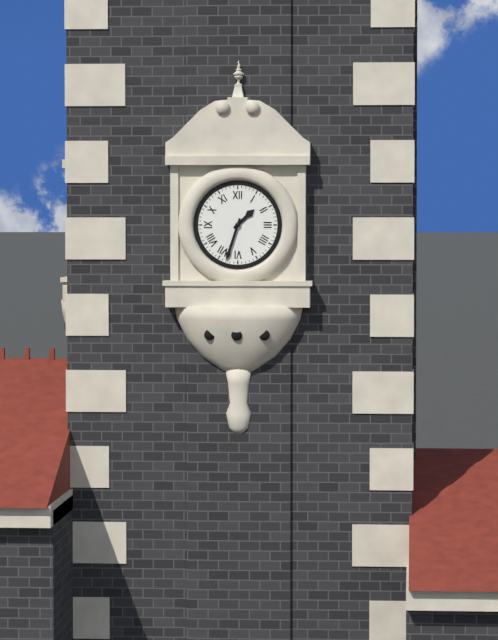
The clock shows 1h33
